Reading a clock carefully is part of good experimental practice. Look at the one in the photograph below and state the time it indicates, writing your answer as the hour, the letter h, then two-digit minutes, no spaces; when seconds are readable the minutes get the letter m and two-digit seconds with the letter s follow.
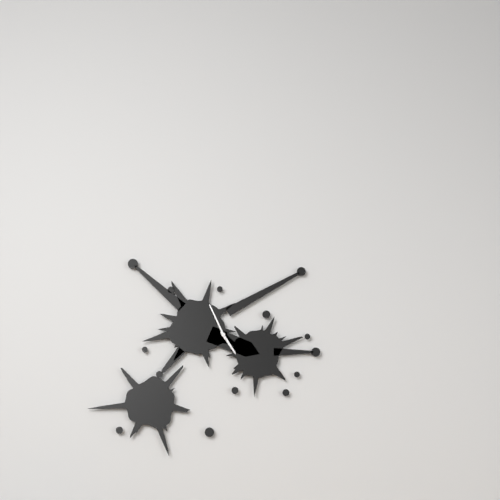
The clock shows 4h56
